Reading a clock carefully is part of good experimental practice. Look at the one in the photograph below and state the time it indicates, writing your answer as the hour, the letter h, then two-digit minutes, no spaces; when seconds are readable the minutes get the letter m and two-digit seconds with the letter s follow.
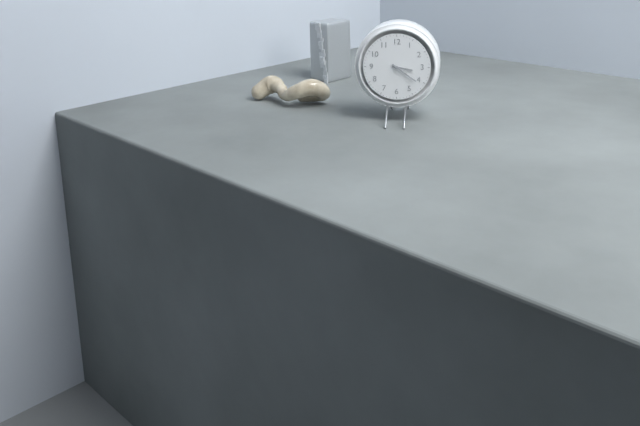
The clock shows 3h21
